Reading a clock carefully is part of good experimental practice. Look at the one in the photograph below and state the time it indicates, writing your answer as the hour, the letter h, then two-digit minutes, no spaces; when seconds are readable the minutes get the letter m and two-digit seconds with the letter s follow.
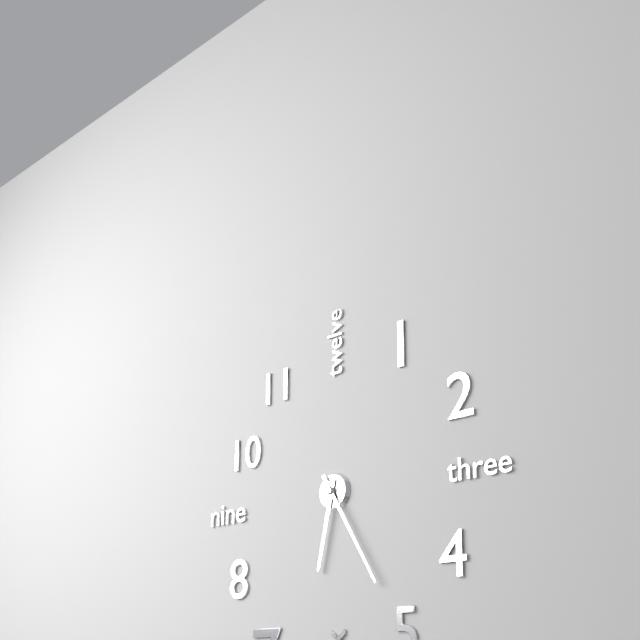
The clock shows 6h25
